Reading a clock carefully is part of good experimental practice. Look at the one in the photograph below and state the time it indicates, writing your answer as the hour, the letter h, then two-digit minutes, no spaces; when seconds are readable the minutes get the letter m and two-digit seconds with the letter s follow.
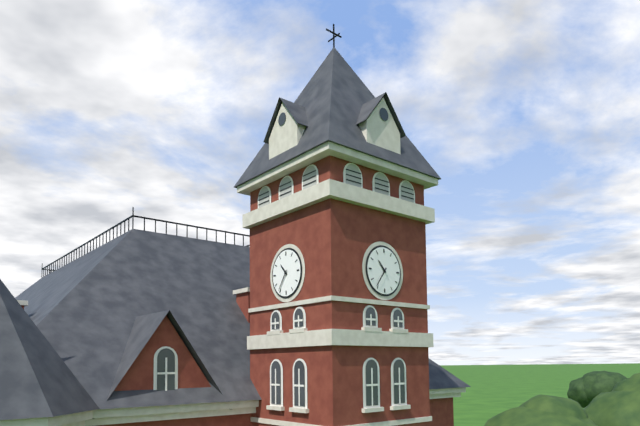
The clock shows 10h36
